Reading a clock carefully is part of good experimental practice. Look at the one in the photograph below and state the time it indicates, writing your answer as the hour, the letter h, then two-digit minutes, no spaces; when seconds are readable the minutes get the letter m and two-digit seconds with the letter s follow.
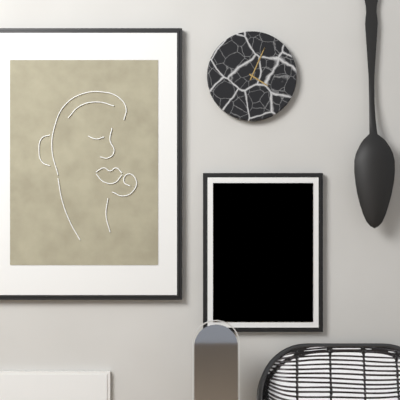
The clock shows 4h04
